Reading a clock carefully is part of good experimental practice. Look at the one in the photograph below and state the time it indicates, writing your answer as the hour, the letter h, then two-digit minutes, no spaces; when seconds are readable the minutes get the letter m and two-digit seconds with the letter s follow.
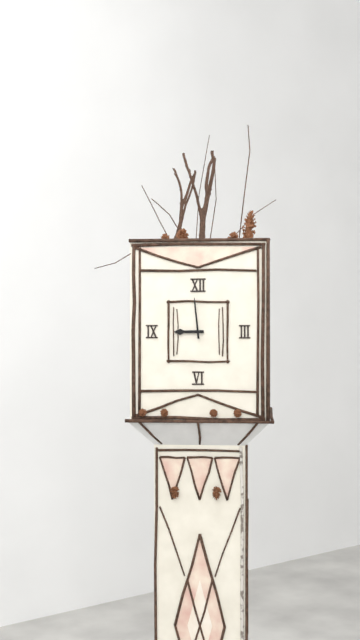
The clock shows 8h59
